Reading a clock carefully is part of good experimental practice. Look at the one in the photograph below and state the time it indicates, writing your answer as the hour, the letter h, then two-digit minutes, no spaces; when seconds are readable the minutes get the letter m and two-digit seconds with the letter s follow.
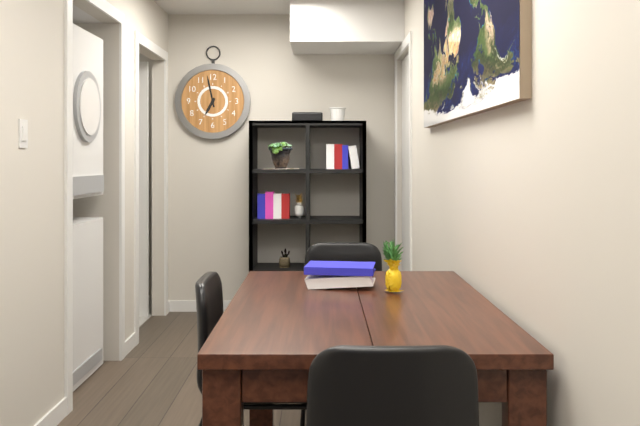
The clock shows 6h58
